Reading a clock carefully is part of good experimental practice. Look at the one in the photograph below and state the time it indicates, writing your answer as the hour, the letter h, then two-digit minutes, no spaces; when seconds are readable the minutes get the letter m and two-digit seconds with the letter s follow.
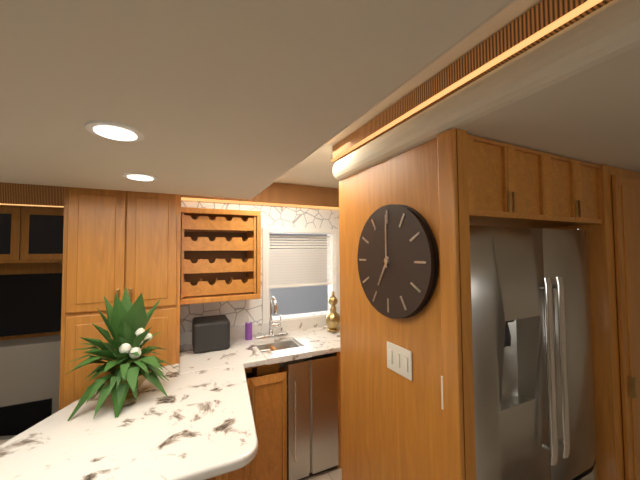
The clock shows 7h00
